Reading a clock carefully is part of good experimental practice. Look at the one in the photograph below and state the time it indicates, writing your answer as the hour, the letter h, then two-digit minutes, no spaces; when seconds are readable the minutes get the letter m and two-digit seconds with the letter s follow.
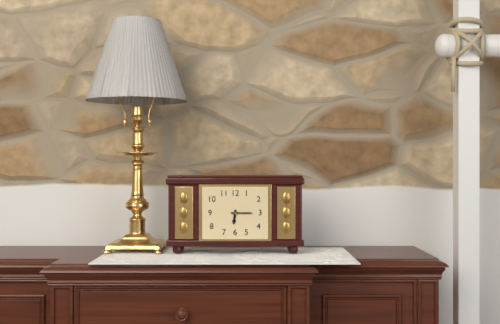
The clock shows 6h15
